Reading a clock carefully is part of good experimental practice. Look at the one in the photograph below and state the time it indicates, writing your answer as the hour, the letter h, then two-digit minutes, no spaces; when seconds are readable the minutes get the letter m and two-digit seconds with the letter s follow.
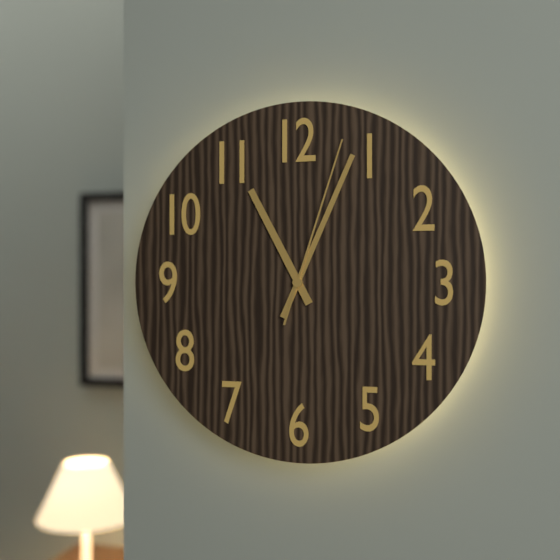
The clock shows 11h04m03s
